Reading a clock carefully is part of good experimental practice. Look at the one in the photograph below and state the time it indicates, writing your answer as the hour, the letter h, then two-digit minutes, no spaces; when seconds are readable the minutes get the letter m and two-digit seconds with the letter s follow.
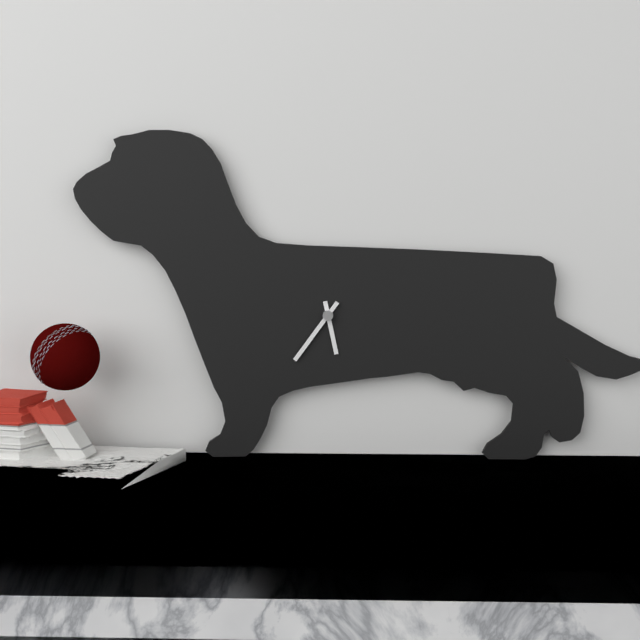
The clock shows 5h36
